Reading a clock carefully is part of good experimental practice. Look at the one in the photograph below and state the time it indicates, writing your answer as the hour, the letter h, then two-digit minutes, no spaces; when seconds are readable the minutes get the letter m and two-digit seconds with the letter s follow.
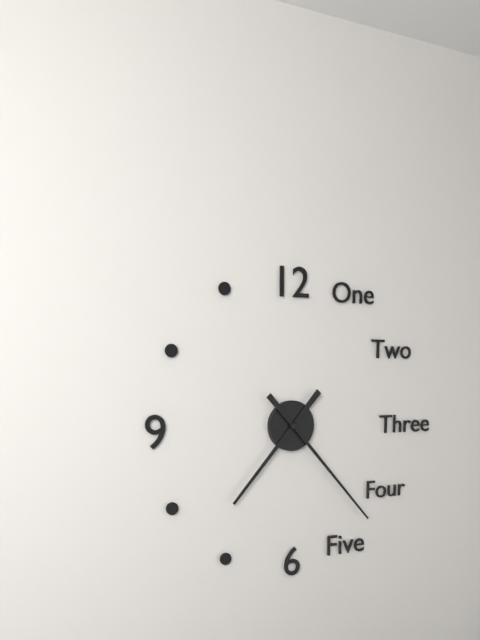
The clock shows 7h23
